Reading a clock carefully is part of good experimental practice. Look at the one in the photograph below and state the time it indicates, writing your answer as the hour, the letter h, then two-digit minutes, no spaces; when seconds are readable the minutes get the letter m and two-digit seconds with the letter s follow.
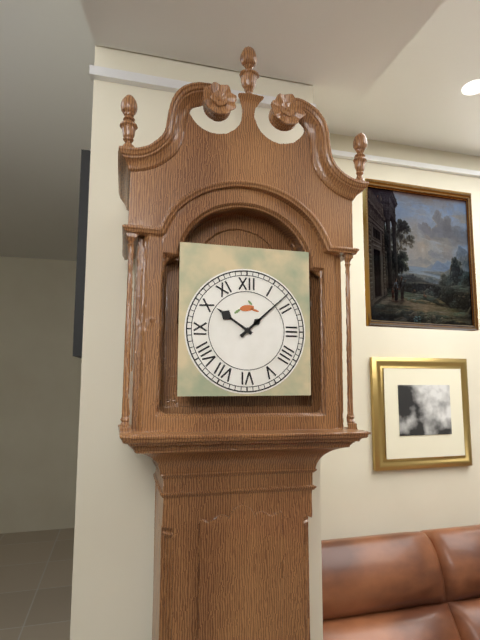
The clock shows 10h08
